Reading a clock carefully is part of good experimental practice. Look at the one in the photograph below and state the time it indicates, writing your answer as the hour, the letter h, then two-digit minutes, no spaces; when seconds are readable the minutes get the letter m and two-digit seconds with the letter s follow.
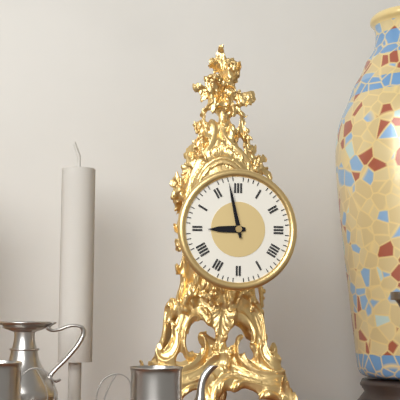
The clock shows 8h58
